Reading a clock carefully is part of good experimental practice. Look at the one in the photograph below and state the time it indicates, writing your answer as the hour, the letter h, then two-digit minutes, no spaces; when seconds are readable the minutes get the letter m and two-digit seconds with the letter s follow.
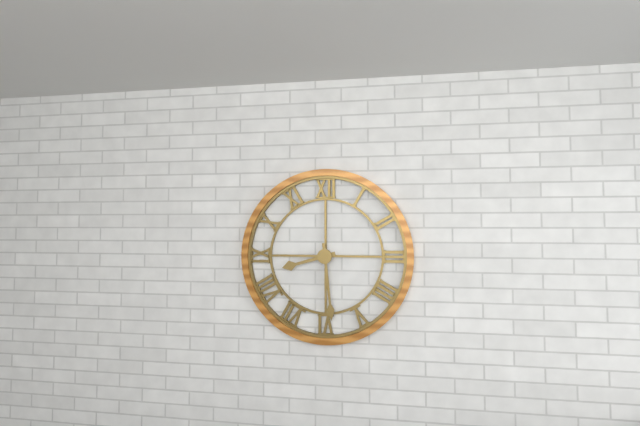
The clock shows 8h29
